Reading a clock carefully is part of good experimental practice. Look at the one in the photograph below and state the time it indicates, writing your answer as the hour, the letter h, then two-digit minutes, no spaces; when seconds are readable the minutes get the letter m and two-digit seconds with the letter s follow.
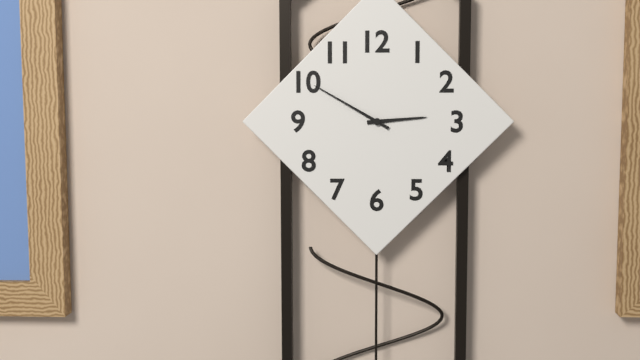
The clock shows 2h50
